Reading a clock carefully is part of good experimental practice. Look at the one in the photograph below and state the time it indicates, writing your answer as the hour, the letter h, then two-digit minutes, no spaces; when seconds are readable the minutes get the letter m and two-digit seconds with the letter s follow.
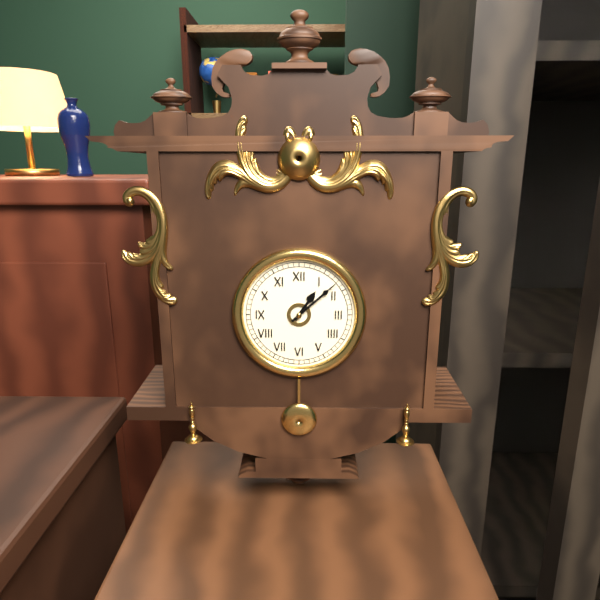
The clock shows 1h08
